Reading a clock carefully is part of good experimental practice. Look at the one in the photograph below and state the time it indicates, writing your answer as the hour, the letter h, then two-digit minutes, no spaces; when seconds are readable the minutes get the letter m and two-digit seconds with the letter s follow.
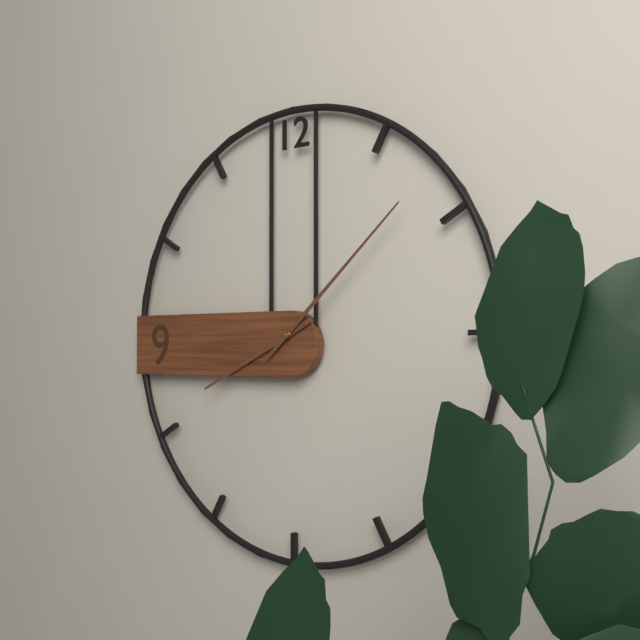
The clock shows 8h08
